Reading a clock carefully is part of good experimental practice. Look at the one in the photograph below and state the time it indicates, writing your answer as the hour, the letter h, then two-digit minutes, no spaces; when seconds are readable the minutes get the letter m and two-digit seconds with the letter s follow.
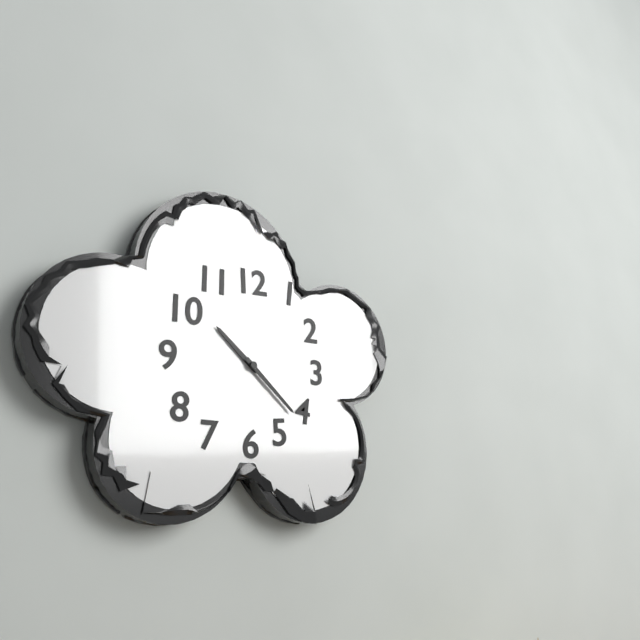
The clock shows 10h22
